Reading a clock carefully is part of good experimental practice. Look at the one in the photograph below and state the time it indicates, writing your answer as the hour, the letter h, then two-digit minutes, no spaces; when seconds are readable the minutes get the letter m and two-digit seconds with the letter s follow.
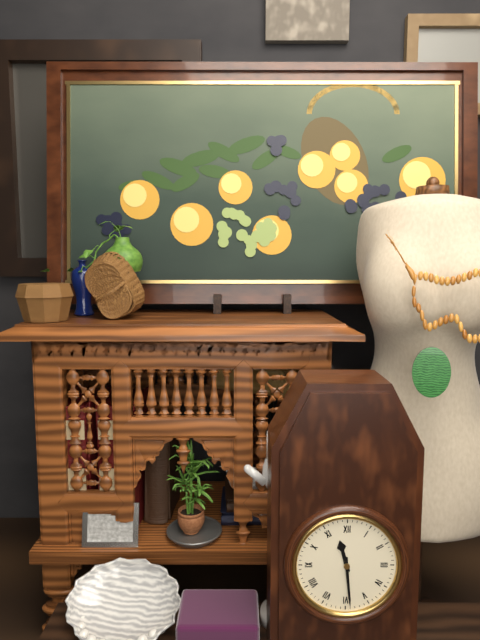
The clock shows 11h29
